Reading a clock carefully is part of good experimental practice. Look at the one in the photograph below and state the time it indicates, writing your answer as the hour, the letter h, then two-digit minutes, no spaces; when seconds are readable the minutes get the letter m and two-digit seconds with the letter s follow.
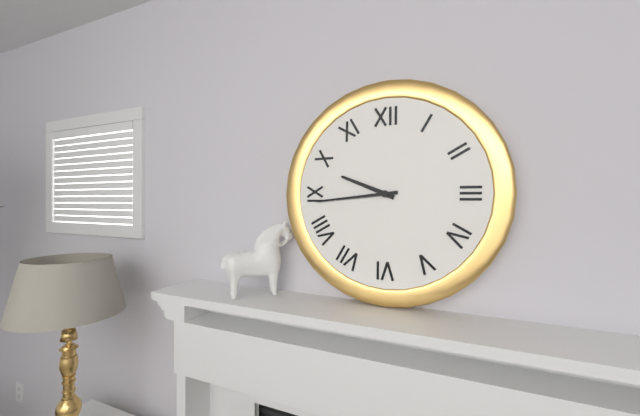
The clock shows 9h44
